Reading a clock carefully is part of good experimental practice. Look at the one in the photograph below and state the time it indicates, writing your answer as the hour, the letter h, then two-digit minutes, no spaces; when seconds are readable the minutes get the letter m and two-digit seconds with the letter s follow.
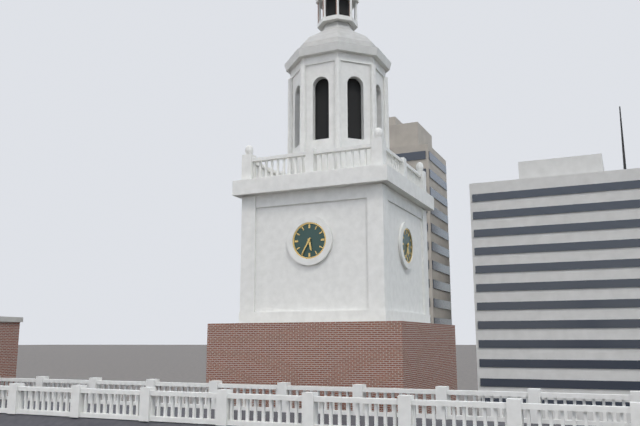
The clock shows 5h35
